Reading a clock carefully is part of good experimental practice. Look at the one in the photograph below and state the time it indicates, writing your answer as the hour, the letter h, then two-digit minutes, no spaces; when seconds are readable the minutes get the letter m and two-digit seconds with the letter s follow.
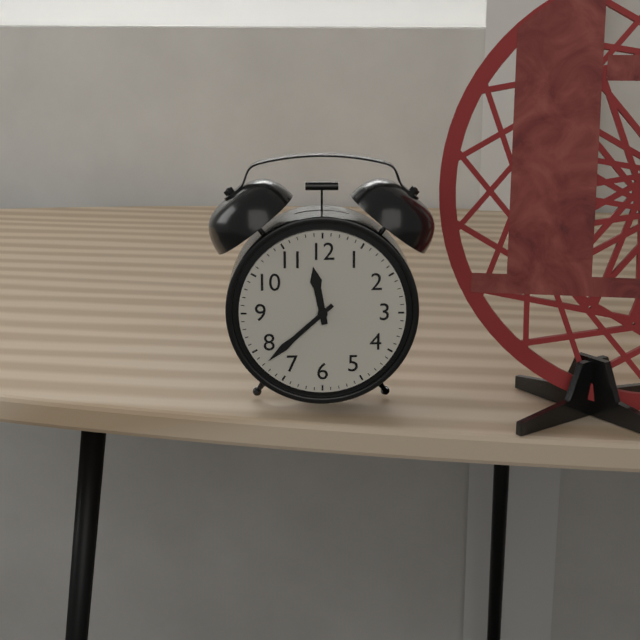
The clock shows 11h38
